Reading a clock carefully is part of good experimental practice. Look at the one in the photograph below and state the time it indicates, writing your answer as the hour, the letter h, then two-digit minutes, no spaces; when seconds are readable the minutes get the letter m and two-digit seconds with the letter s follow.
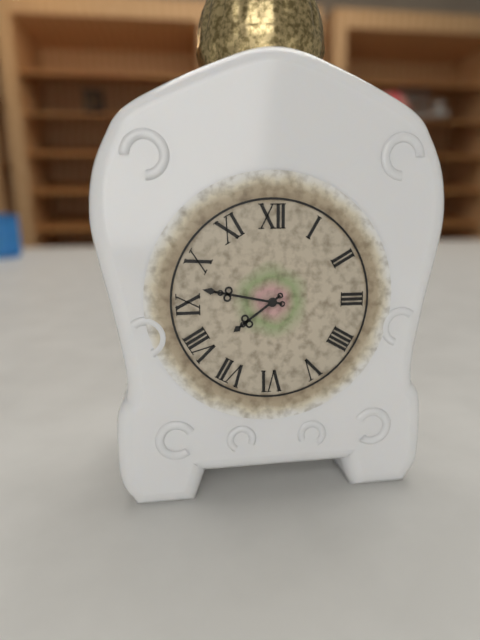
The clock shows 7h47
